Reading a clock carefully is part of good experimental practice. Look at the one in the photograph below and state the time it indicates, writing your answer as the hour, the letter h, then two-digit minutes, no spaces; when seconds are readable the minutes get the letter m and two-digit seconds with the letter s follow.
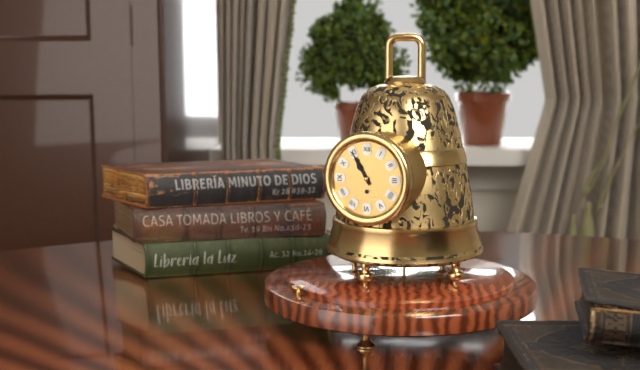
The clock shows 10h55
